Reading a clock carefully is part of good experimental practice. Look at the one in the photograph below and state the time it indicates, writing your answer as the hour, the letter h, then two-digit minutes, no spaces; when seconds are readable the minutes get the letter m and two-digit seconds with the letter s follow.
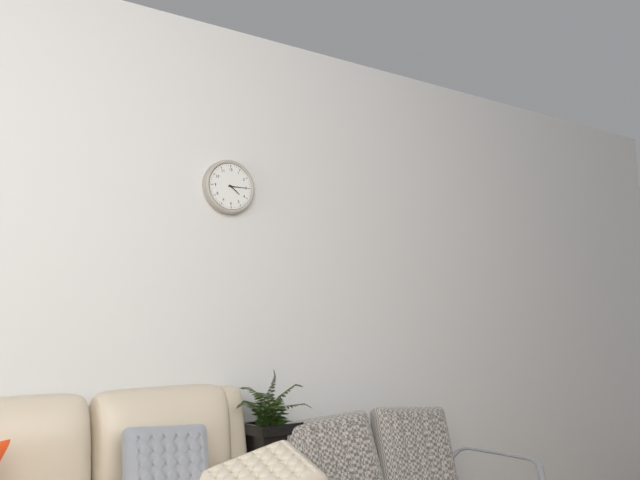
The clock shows 4h15
